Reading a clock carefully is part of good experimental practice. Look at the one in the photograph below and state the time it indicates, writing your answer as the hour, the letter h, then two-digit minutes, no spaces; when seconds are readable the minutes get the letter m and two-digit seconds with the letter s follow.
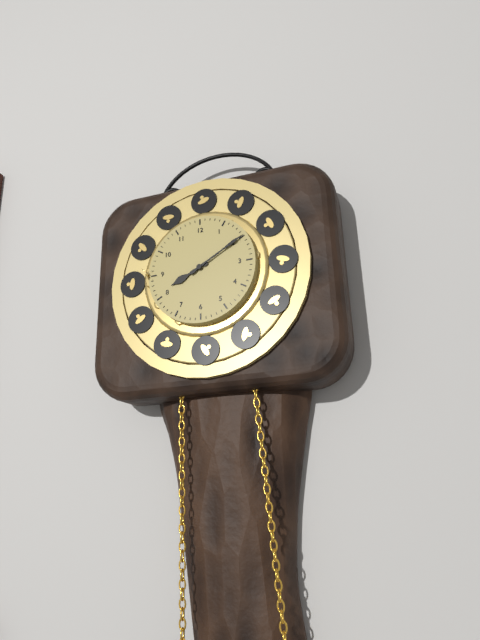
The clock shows 8h10
